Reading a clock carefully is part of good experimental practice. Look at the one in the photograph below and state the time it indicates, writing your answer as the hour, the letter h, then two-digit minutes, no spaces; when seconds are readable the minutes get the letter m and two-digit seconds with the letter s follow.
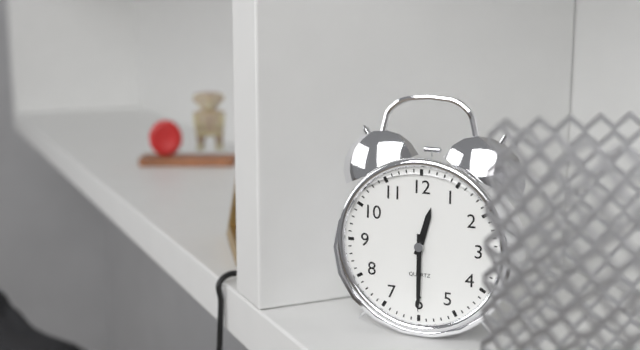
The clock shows 12h30
